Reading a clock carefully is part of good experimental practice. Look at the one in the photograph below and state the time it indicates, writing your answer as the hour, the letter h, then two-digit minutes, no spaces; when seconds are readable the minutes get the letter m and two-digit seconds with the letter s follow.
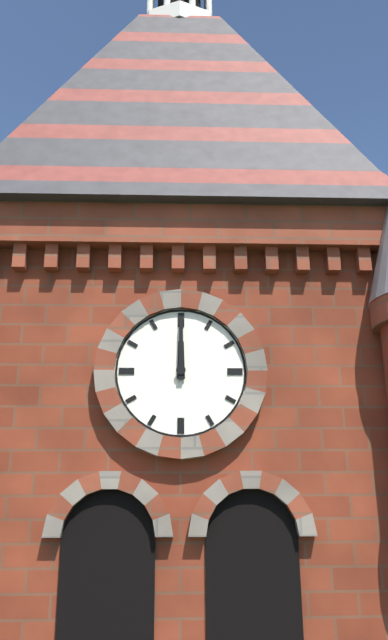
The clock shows 12h00
